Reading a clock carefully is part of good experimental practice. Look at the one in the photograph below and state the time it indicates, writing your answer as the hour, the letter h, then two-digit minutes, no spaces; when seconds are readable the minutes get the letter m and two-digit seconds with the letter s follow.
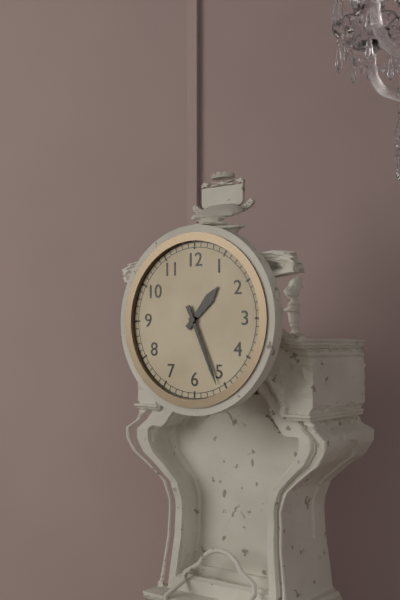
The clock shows 1h26
